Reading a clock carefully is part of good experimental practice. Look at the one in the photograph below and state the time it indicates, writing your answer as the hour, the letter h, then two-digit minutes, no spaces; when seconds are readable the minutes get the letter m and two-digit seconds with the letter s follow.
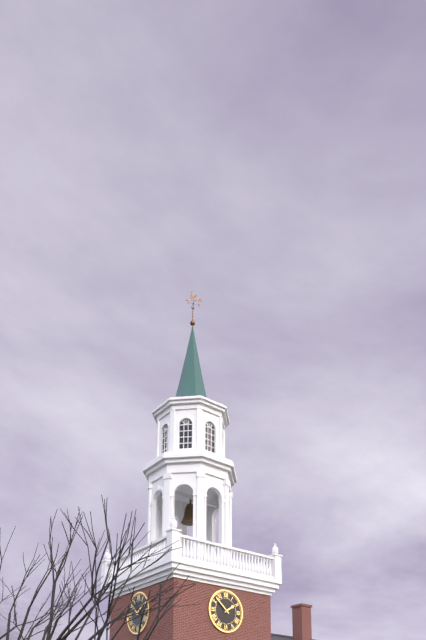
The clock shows 1h52
